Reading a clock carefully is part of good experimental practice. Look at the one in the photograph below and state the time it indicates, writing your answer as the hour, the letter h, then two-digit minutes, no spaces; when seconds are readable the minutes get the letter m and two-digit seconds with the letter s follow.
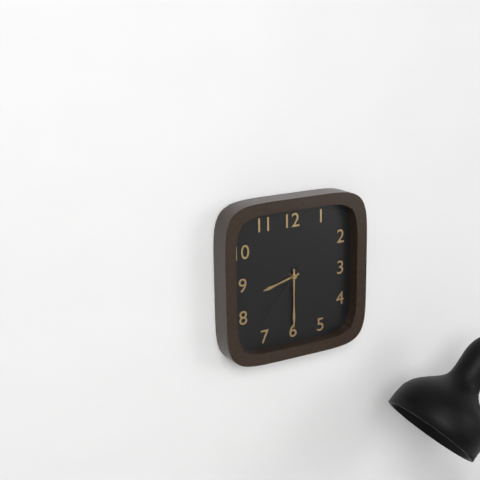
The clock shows 8h30m37s
